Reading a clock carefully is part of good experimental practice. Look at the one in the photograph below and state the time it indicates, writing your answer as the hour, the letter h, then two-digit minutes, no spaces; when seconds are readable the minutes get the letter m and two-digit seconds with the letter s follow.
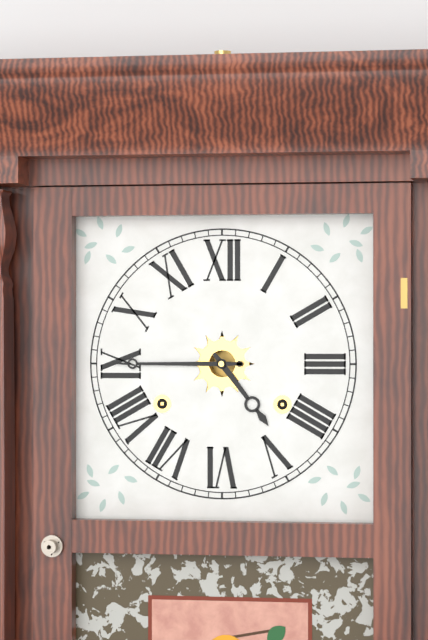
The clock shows 4h45
